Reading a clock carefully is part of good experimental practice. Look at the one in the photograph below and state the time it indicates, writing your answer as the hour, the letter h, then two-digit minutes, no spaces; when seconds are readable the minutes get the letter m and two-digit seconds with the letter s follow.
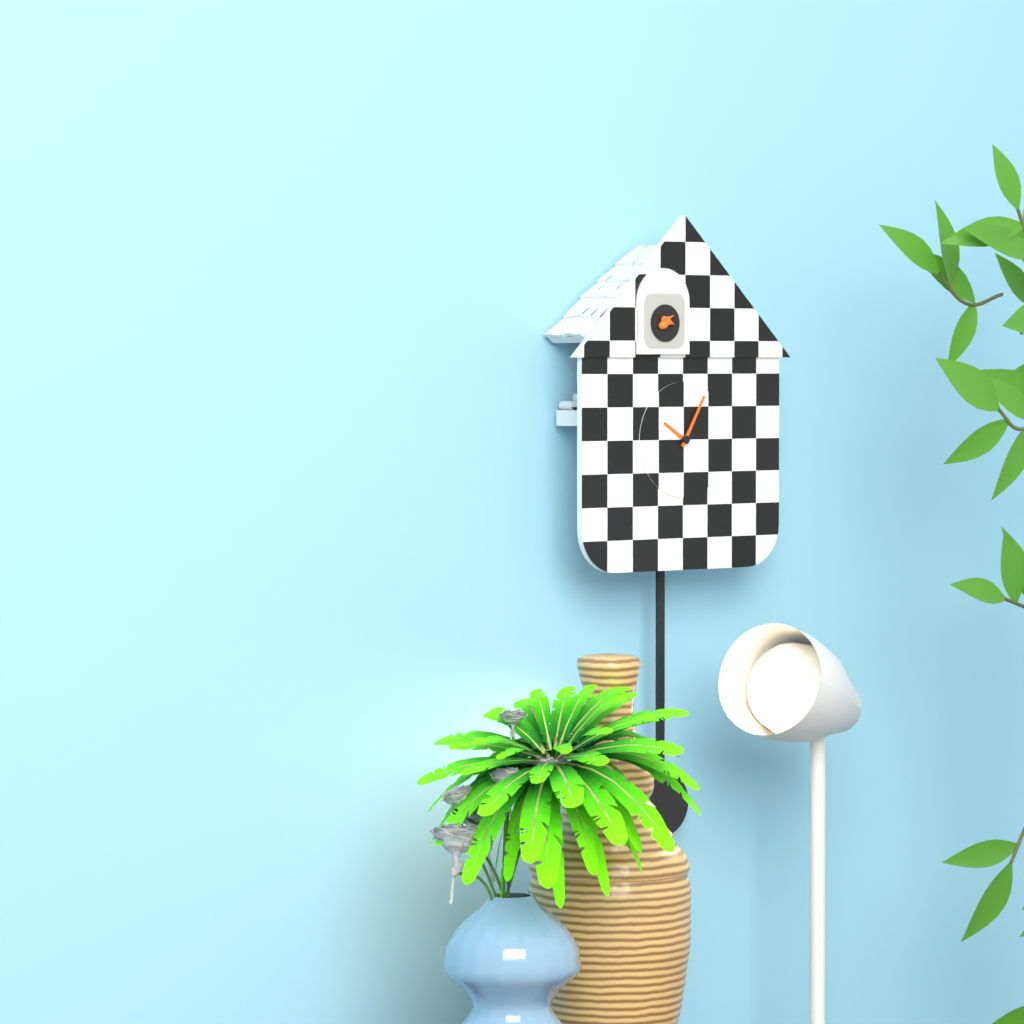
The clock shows 10h05
